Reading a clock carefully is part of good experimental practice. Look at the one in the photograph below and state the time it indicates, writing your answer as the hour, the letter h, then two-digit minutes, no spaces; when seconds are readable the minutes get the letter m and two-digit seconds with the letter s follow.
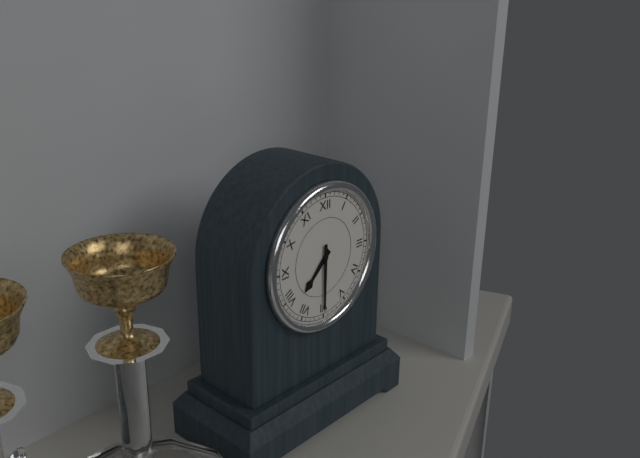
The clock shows 7h30
